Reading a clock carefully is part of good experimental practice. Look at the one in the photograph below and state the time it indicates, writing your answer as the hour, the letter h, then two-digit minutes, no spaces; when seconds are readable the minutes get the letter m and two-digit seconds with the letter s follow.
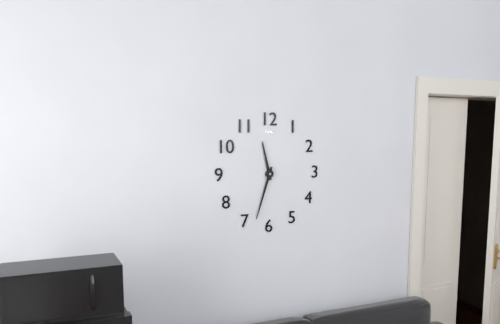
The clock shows 11h33
